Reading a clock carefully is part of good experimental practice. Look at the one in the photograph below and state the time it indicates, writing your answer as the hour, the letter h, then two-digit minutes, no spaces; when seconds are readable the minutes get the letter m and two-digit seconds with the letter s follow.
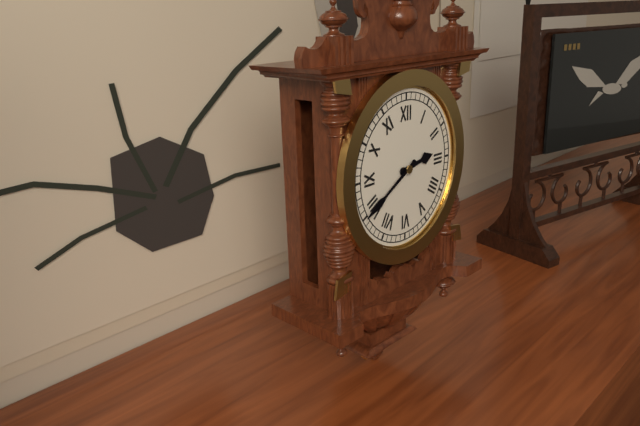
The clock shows 2h40
